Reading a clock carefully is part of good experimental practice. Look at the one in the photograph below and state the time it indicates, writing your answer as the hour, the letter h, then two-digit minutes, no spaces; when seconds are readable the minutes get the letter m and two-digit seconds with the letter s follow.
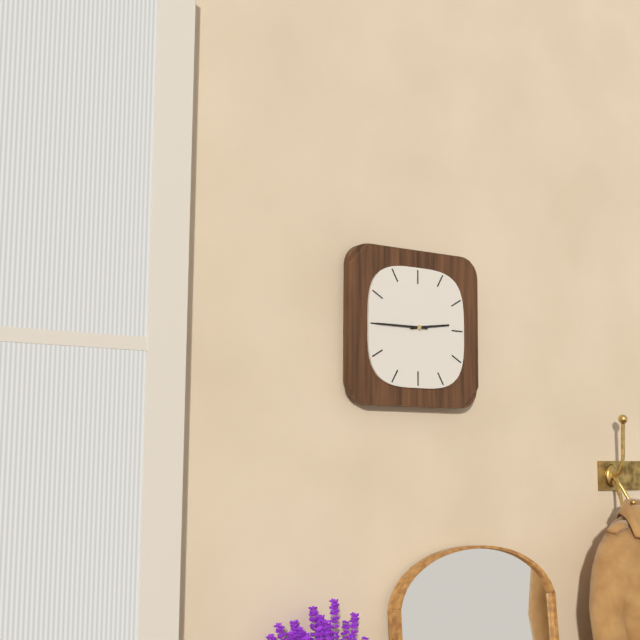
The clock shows 2h45
